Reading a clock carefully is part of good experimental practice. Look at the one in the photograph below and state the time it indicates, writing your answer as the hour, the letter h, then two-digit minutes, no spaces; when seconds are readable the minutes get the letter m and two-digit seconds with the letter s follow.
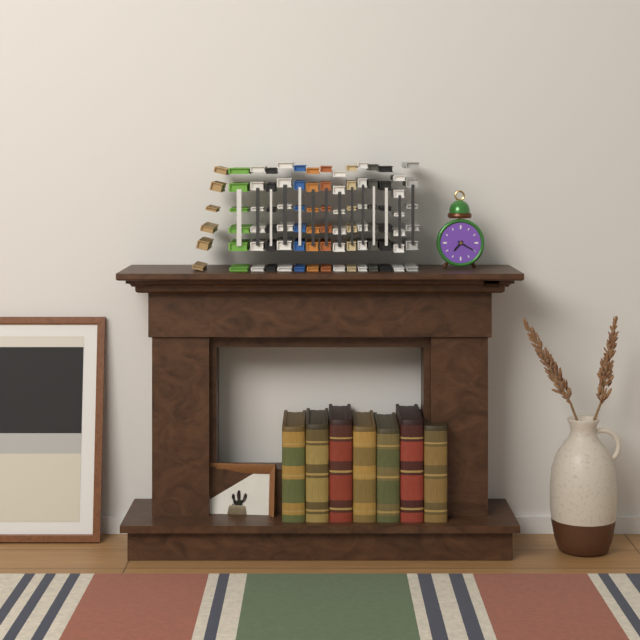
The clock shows 7h20
